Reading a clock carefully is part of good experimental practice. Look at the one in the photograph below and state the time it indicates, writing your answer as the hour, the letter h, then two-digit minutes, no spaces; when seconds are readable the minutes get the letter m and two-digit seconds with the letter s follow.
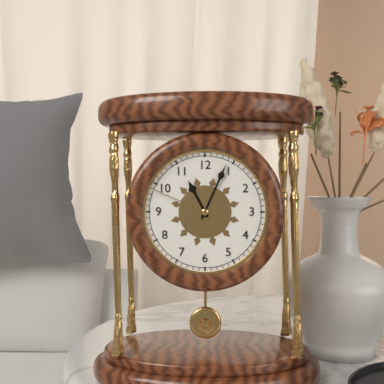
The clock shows 11h04m49s
